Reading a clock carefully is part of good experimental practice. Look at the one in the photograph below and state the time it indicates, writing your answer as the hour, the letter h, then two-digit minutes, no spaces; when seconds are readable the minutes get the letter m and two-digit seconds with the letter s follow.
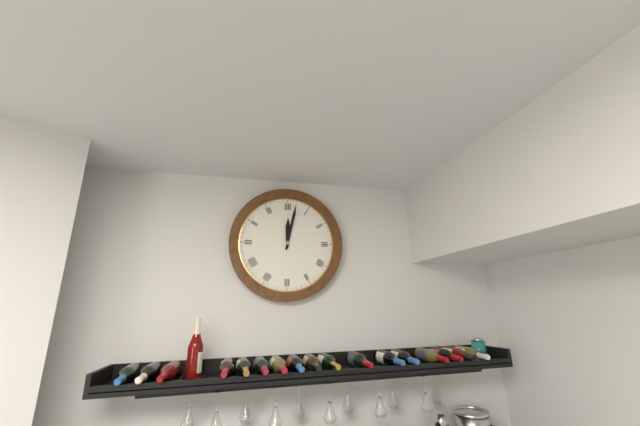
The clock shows 12h02
